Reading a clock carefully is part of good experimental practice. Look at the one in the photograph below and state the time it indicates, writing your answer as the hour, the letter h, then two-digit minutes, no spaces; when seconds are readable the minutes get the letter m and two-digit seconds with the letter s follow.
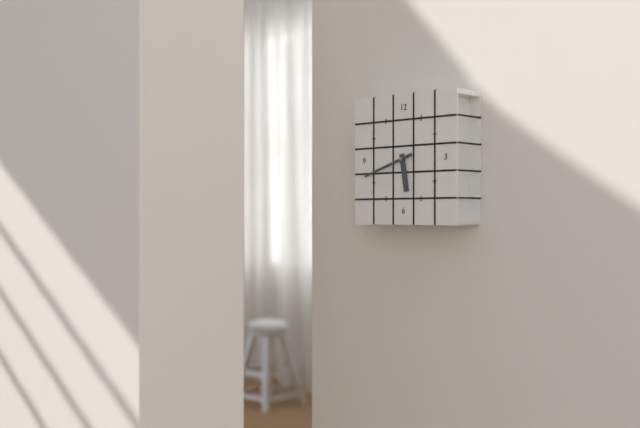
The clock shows 5h42
